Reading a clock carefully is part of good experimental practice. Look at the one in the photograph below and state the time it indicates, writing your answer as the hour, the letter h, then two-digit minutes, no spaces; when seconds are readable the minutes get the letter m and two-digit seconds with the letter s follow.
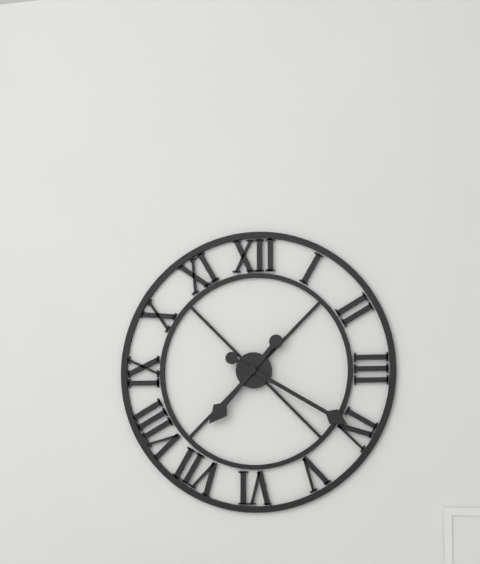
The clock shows 7h20
